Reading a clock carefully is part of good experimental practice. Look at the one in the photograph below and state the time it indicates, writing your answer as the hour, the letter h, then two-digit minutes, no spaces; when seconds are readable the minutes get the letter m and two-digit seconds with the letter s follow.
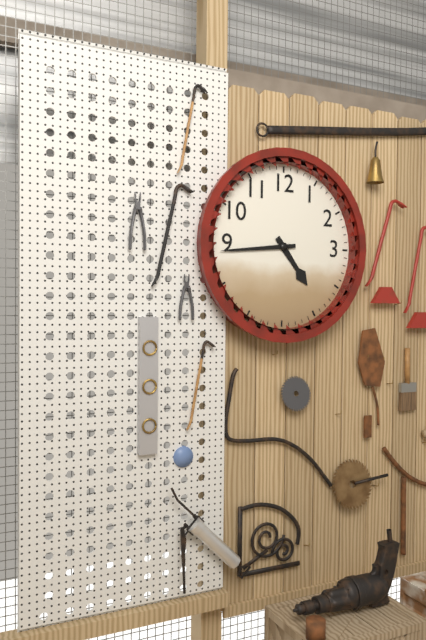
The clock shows 4h44
